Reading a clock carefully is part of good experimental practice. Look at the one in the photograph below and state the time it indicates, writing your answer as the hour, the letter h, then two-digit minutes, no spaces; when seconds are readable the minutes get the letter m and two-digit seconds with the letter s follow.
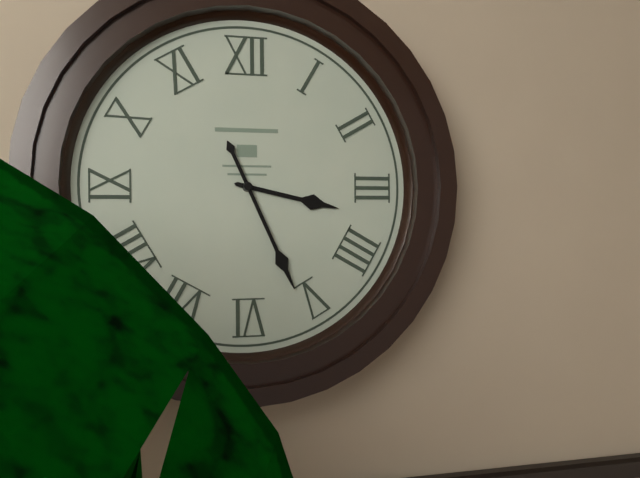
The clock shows 3h26
